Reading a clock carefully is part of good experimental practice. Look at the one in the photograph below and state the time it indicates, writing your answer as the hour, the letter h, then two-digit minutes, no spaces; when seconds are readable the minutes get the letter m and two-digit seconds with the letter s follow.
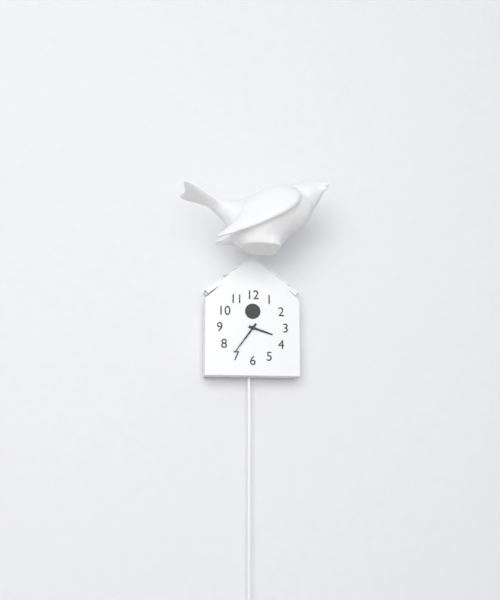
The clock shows 3h36
